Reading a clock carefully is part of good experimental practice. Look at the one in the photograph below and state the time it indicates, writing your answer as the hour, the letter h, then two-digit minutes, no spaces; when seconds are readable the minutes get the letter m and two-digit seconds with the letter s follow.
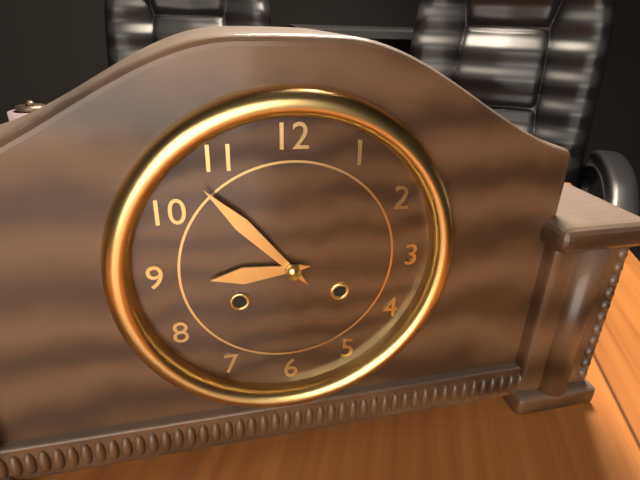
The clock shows 8h53
